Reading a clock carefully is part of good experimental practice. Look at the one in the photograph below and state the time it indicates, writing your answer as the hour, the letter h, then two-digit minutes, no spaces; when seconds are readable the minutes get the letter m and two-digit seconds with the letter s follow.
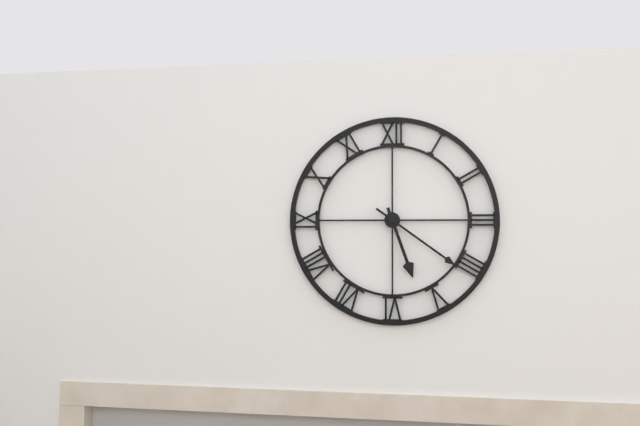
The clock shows 5h21
